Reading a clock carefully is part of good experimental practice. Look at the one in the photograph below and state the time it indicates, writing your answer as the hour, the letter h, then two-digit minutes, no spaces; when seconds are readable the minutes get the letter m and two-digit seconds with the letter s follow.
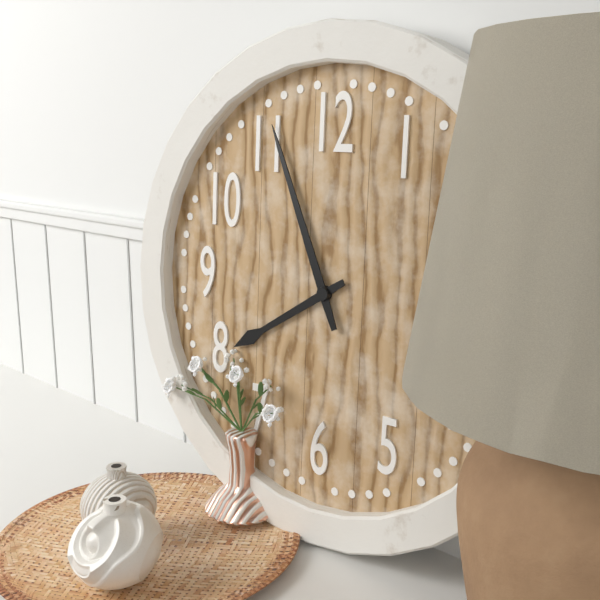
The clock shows 7h56
